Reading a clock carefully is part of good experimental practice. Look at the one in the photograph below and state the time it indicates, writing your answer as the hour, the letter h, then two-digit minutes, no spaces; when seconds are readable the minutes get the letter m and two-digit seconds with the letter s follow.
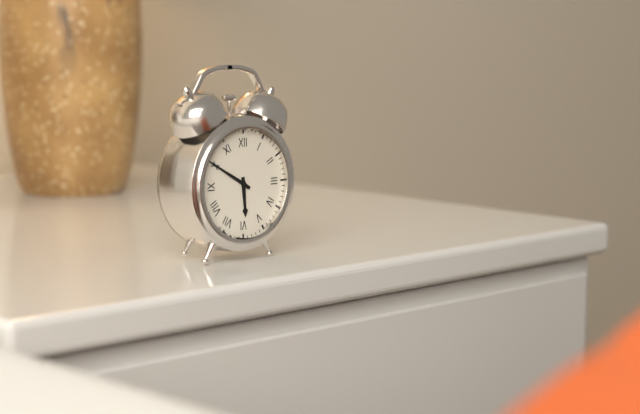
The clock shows 5h50
